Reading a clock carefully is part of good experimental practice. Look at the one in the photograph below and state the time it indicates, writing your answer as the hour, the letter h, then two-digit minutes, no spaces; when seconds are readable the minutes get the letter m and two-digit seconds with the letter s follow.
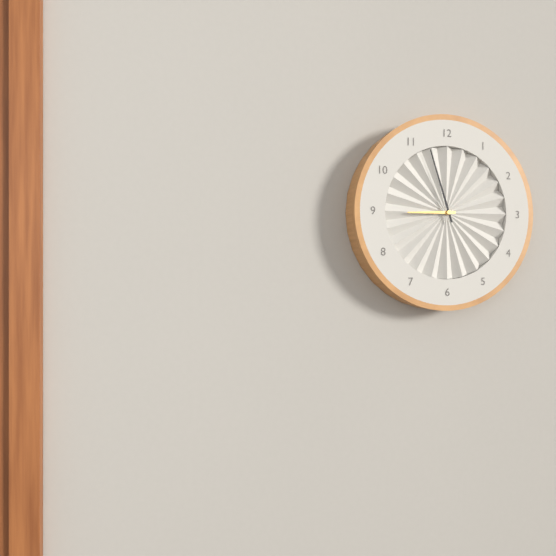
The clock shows 8h57
